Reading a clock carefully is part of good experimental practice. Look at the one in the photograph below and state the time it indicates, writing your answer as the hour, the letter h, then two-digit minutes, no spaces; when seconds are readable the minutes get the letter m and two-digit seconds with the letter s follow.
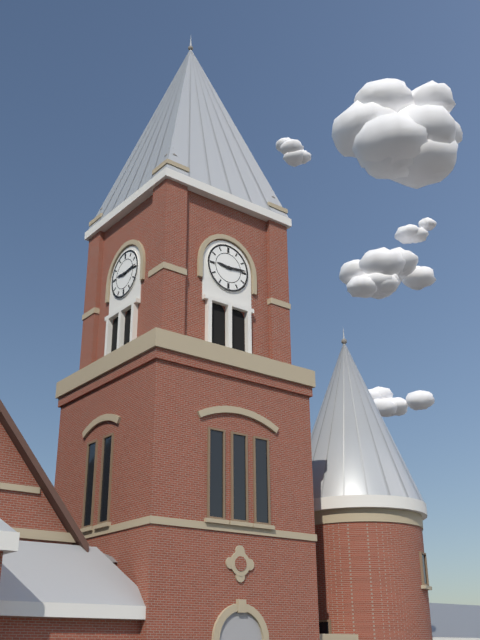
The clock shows 9h14
